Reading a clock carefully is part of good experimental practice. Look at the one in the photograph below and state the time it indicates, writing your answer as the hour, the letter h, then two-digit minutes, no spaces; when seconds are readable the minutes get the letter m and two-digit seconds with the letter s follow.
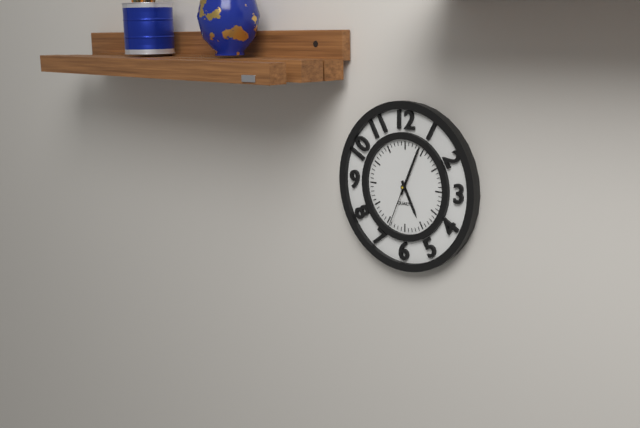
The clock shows 5h04m34s
